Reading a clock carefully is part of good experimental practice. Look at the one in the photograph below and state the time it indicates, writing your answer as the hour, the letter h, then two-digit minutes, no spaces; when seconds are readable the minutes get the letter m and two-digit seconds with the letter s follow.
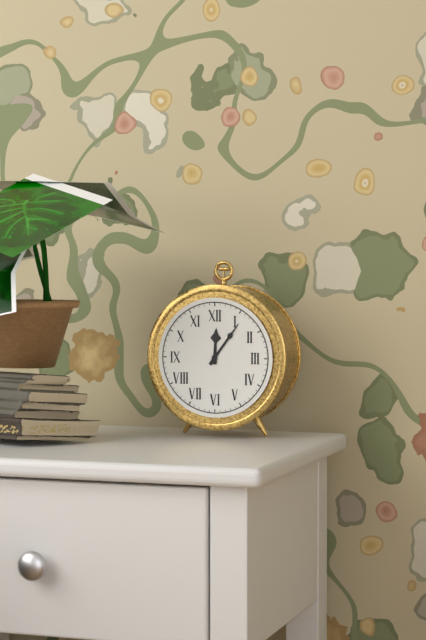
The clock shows 12h06
